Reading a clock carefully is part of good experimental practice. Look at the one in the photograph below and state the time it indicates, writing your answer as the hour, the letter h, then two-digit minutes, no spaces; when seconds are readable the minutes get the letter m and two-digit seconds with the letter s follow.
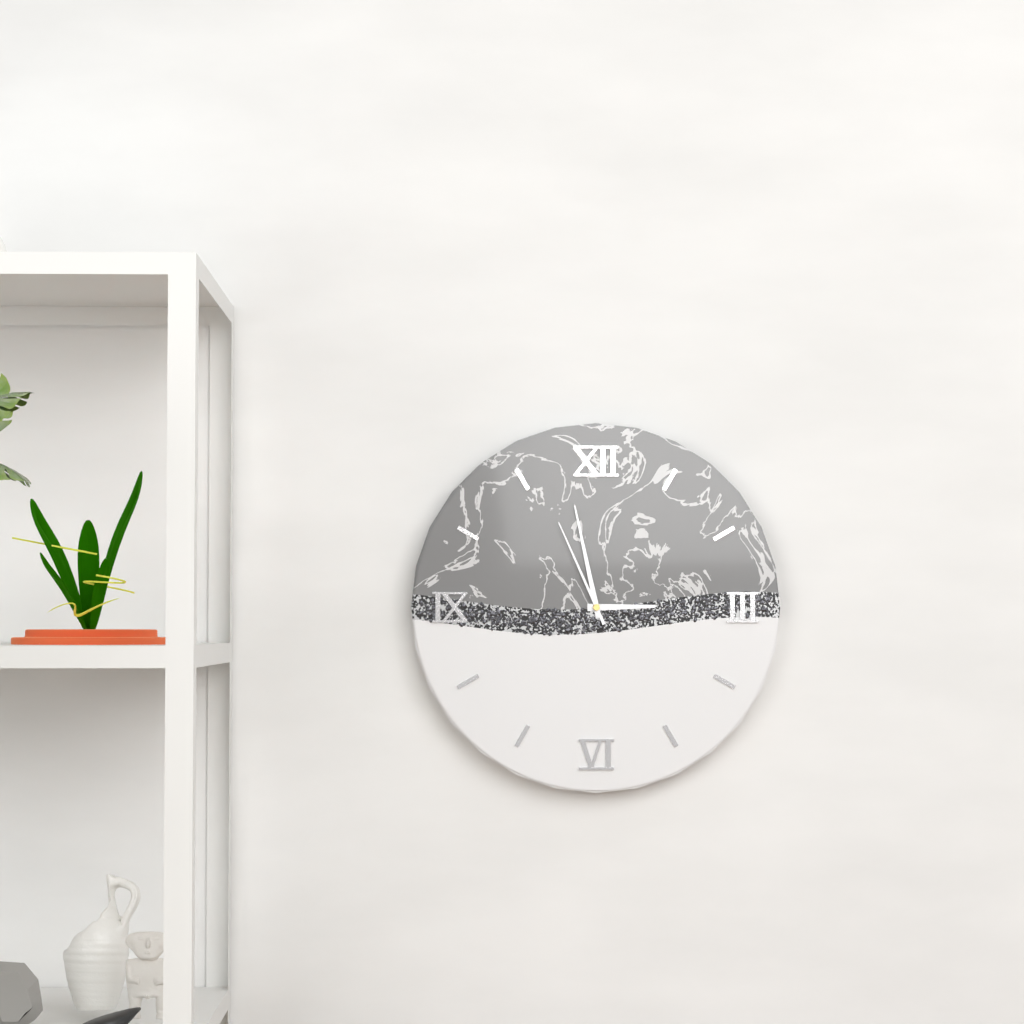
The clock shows 2h58m56s
